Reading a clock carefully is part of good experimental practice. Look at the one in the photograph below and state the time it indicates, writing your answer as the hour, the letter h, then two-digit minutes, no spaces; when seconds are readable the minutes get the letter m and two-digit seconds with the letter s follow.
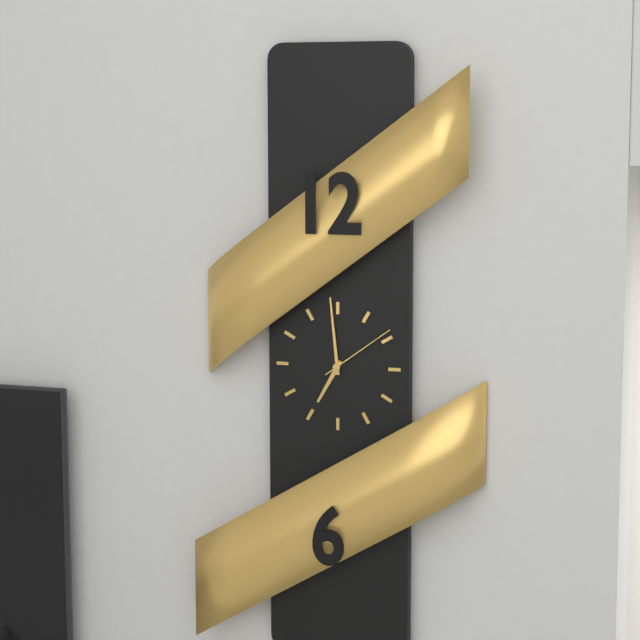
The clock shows 6h59m09s
